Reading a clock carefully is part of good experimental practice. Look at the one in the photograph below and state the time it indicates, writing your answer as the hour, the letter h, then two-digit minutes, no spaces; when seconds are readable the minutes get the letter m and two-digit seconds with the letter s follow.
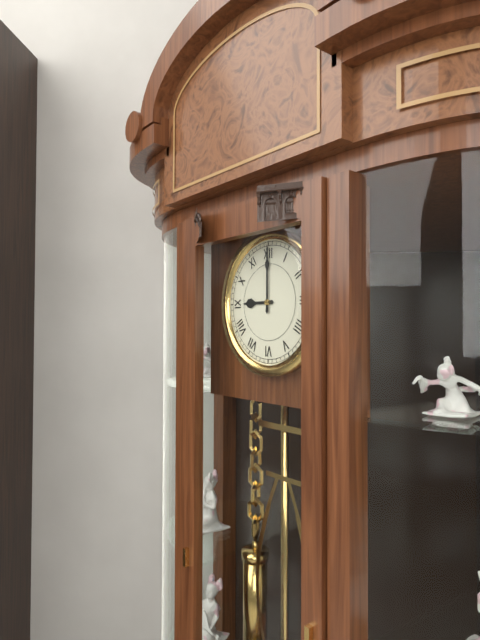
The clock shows 9h00
